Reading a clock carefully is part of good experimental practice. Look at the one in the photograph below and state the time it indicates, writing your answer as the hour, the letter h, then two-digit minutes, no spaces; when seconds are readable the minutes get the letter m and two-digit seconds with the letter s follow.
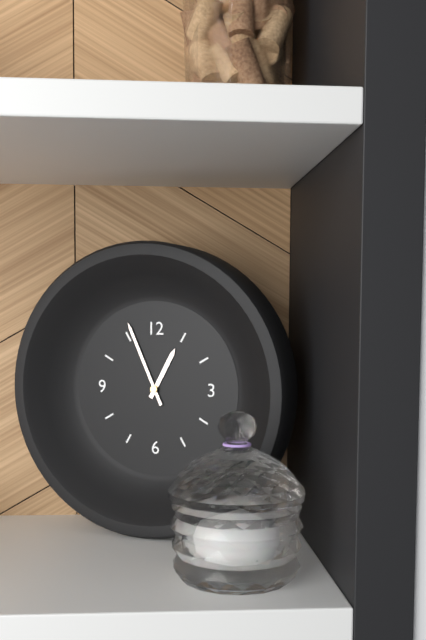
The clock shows 12h56
